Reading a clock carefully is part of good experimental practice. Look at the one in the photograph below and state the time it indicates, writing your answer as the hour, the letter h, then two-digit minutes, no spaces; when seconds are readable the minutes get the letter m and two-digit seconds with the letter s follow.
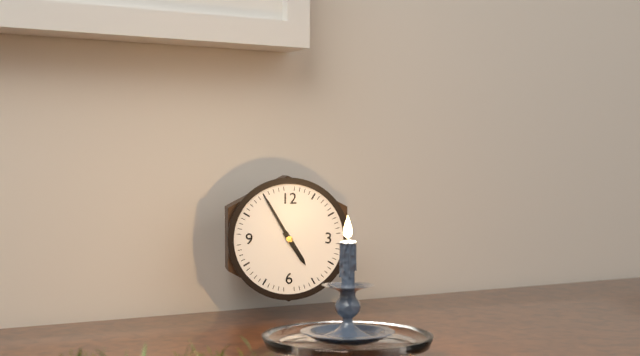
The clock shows 4h55
